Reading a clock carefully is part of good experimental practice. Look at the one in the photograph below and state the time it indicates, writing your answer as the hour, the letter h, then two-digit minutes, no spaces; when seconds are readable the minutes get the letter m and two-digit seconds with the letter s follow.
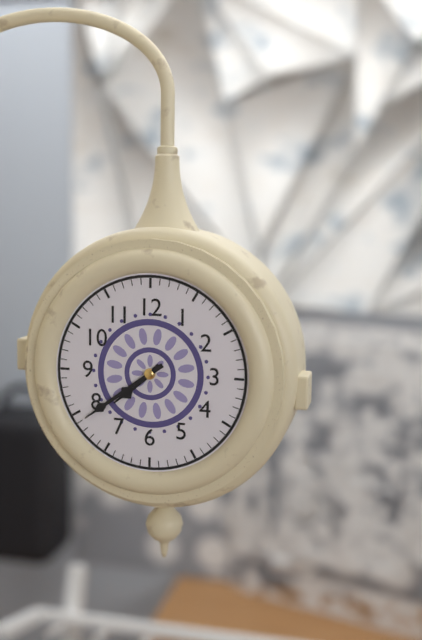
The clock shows 7h39
